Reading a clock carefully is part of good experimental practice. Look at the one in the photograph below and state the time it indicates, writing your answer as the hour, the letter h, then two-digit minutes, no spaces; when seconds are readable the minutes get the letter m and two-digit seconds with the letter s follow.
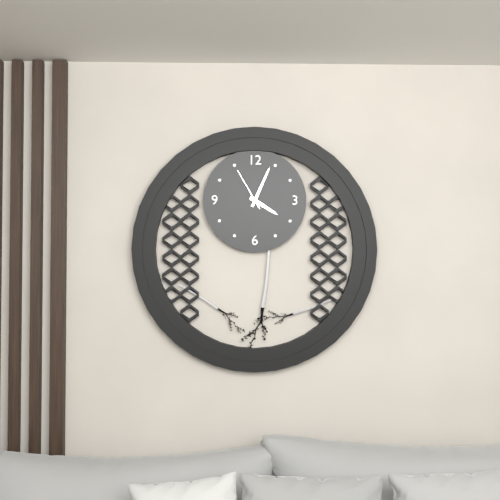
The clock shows 4h04
